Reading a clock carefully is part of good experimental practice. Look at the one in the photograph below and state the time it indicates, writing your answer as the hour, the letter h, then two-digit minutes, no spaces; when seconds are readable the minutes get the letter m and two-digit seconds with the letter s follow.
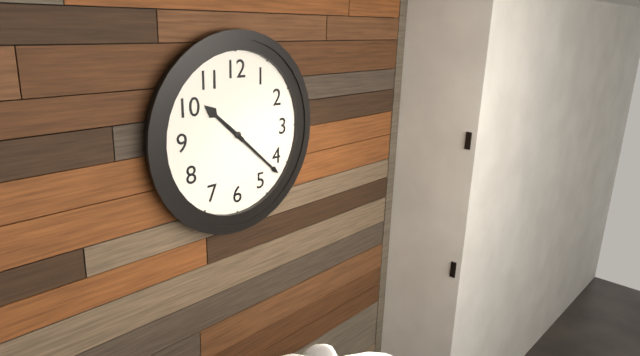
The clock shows 10h22
